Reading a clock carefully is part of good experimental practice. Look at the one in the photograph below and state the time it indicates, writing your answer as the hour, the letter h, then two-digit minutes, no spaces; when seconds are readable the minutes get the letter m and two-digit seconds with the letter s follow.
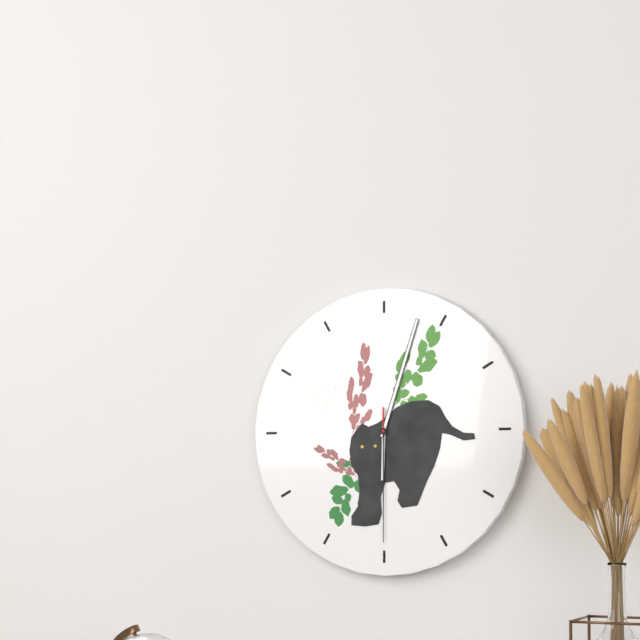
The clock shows 6h03m30s
